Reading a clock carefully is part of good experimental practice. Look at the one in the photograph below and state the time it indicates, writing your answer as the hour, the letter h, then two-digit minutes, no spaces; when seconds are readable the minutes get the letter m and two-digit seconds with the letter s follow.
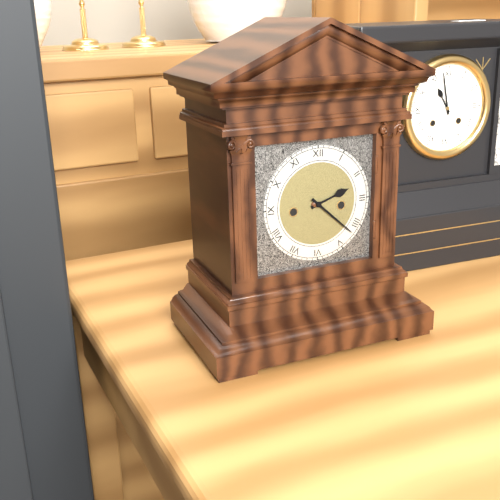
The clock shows 2h22
